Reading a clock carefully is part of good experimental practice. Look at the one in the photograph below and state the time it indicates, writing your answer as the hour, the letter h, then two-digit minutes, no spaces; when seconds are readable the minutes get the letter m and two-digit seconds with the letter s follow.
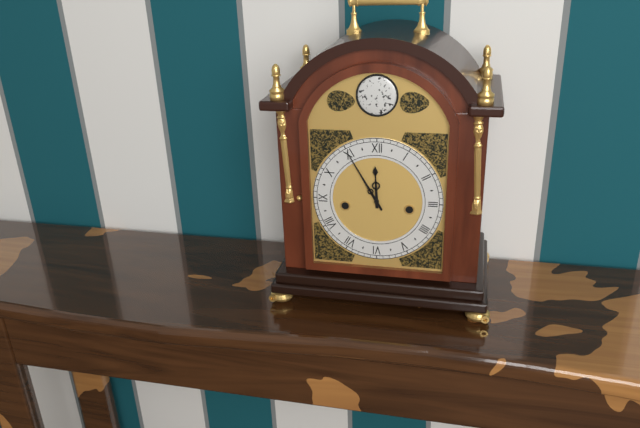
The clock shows 11h55
